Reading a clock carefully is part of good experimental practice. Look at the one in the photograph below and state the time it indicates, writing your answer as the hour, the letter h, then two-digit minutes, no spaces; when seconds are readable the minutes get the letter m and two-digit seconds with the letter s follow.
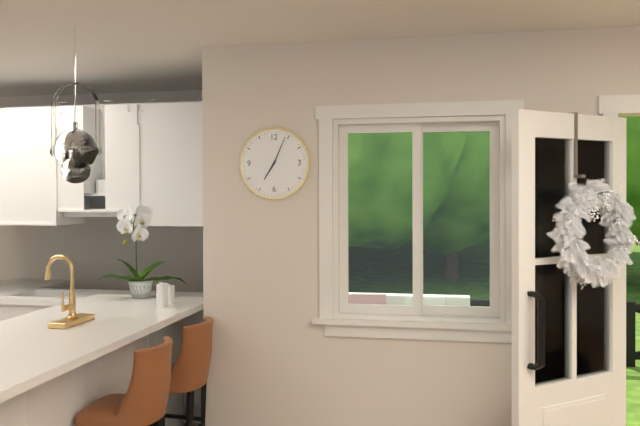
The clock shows 7h04
